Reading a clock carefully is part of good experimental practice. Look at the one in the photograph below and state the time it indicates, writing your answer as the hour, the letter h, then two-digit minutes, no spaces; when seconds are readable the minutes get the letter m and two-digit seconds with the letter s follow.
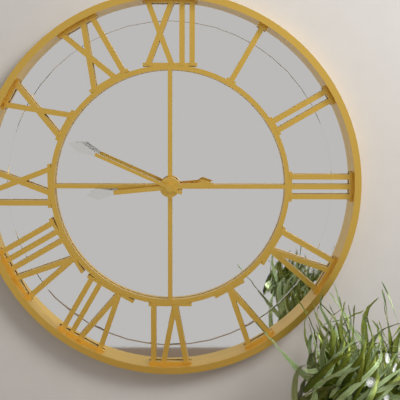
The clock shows 8h49
